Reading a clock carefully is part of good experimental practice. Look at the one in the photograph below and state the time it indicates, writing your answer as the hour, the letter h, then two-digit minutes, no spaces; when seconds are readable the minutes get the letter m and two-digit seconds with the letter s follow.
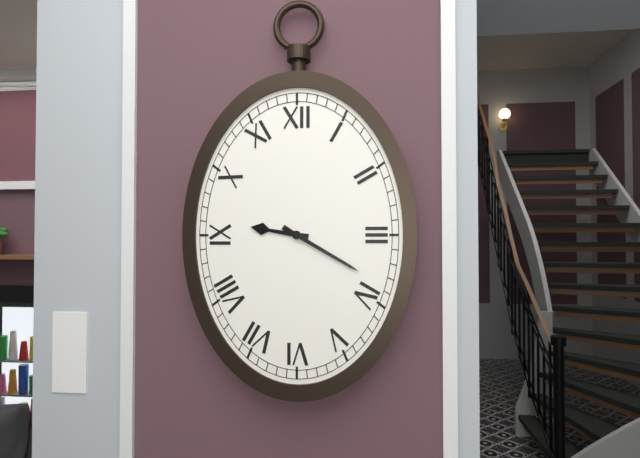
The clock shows 9h20
